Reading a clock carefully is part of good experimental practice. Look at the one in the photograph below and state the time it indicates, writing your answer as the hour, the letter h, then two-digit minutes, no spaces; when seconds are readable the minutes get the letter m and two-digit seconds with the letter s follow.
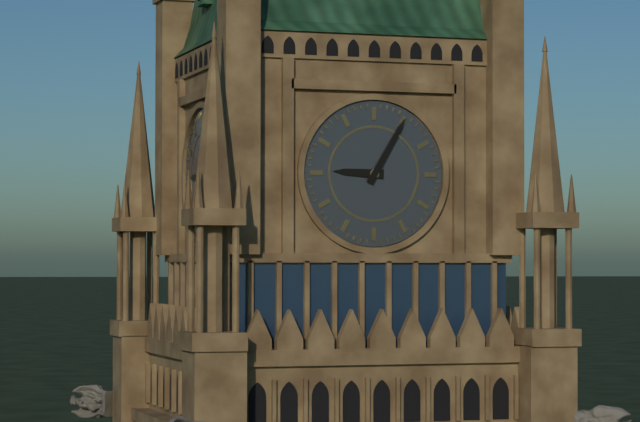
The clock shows 9h05
